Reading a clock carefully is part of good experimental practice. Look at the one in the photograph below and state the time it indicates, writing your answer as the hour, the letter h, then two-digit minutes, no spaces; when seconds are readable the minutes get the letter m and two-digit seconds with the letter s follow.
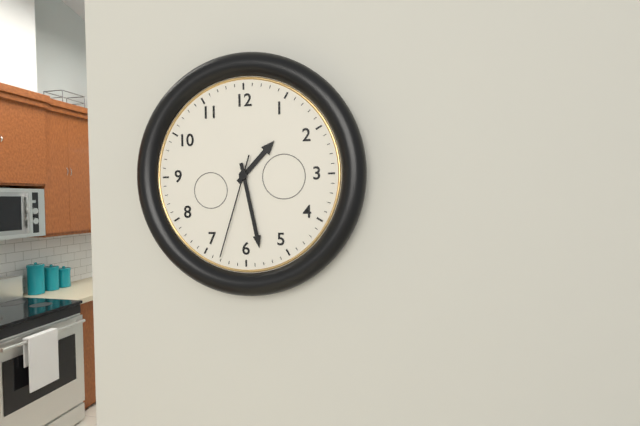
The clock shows 1h28m33s
